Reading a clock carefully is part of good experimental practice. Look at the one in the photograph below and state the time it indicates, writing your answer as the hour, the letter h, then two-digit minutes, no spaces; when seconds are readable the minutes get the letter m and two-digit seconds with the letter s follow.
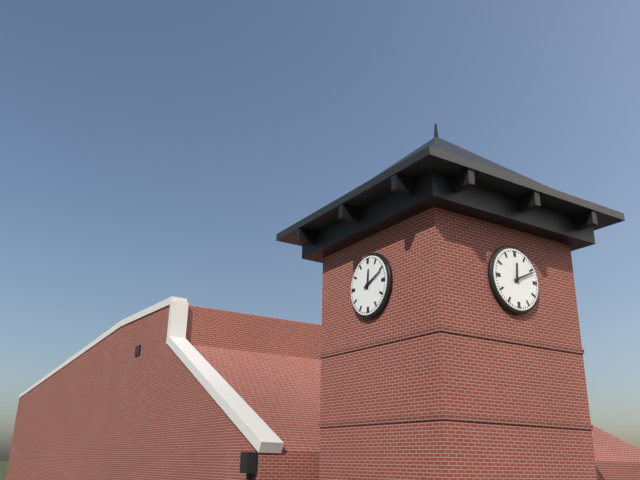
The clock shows 12h11
